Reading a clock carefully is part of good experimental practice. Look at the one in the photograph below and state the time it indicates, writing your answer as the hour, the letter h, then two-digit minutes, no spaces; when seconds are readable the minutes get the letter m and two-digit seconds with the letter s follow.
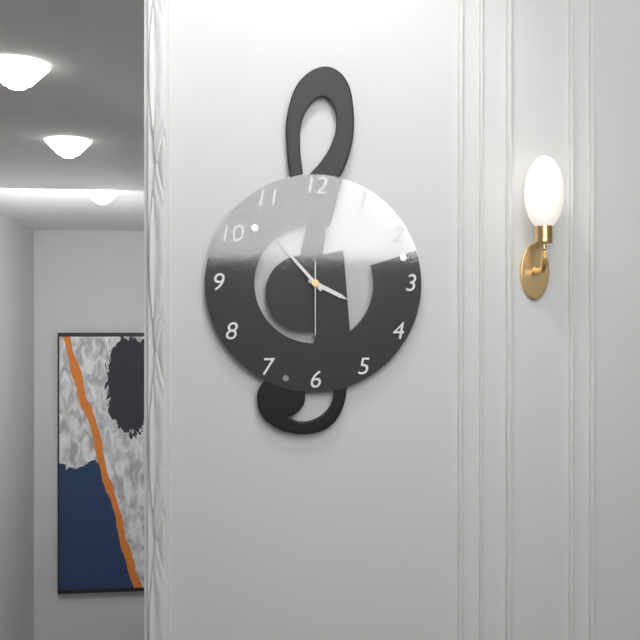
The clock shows 3h53m30s
